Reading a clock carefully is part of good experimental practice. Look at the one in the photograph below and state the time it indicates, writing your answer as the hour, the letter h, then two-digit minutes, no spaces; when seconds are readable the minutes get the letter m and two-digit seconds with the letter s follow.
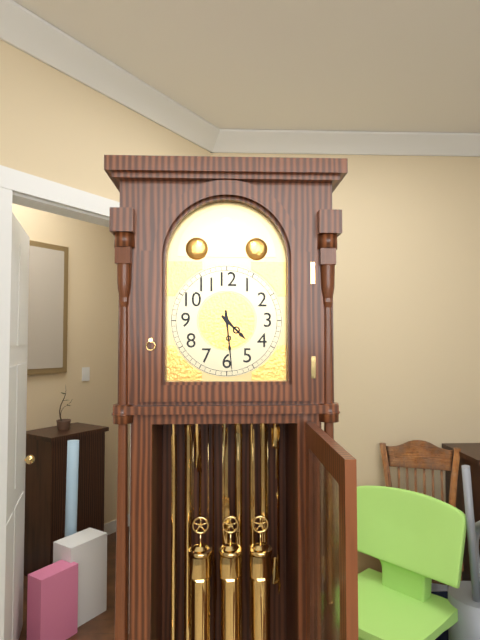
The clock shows 4h29
